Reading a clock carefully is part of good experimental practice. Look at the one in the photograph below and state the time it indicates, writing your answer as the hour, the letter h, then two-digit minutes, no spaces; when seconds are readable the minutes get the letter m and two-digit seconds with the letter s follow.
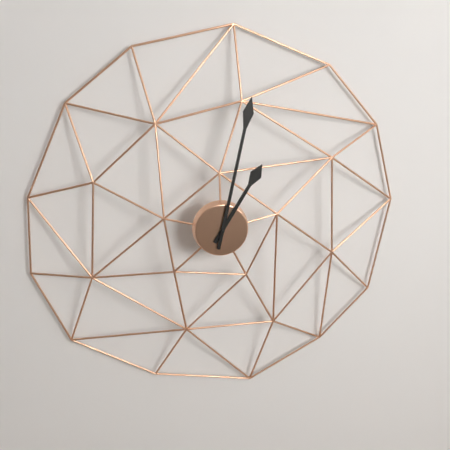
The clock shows 1h02
